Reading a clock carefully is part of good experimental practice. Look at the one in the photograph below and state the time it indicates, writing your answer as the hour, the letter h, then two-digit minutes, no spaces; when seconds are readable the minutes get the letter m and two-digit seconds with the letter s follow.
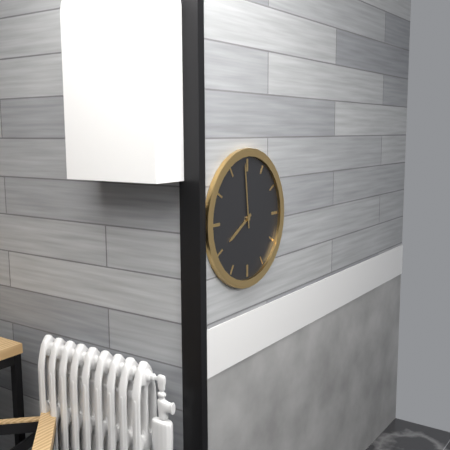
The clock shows 7h59
